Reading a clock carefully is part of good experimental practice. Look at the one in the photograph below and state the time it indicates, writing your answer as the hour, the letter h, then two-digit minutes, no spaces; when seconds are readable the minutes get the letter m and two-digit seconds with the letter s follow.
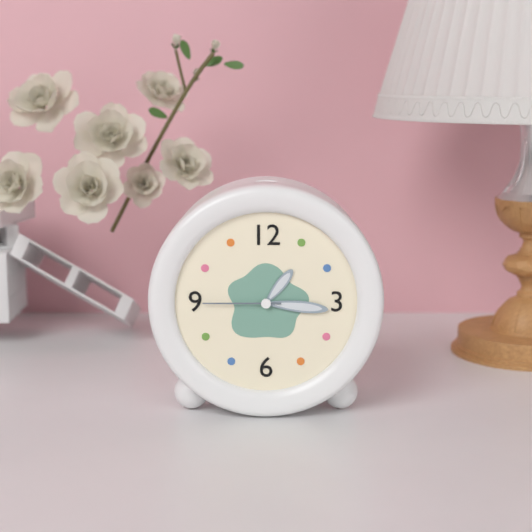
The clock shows 1h16m45s
